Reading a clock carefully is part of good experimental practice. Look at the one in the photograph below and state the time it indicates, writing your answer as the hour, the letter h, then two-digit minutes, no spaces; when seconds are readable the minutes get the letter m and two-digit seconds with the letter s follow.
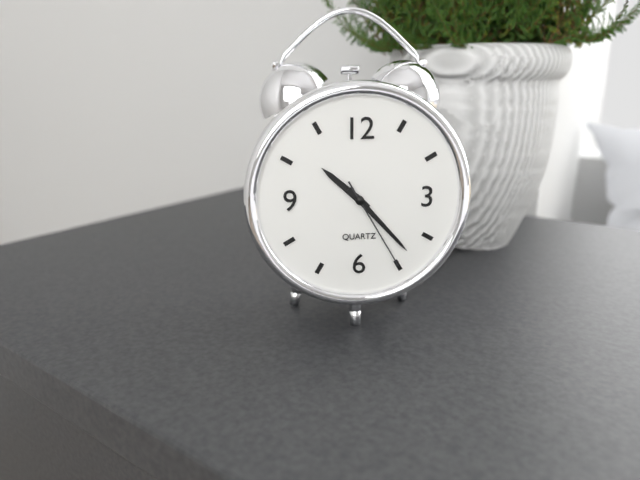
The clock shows 10h23m25s
